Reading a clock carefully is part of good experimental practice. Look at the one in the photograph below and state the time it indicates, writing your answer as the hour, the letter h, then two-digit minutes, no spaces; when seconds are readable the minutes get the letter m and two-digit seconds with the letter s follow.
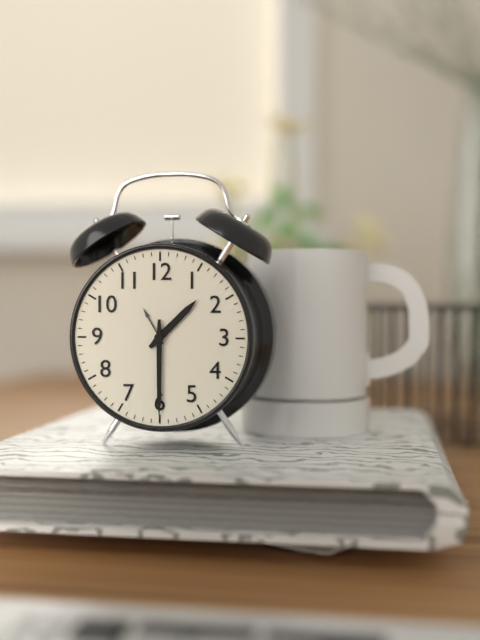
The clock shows 1h30
